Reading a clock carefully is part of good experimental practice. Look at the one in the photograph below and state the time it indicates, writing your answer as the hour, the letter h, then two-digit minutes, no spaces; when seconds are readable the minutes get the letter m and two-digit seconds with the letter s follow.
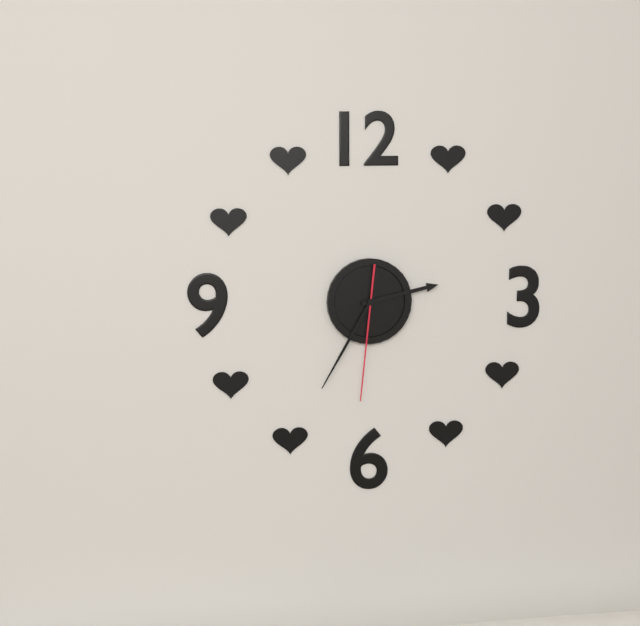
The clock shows 2h35m31s
